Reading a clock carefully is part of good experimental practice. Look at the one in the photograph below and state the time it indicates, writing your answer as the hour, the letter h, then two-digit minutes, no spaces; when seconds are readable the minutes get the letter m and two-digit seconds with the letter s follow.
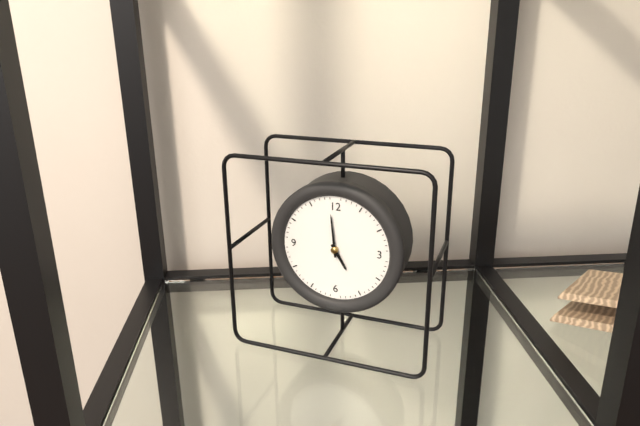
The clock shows 4h59
